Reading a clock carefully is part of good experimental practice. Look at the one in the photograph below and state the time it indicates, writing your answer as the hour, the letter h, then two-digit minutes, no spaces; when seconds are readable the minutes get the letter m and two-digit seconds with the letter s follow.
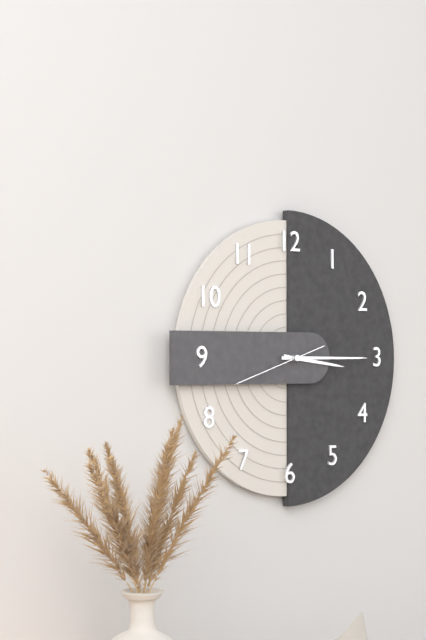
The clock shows 3h15m42s
